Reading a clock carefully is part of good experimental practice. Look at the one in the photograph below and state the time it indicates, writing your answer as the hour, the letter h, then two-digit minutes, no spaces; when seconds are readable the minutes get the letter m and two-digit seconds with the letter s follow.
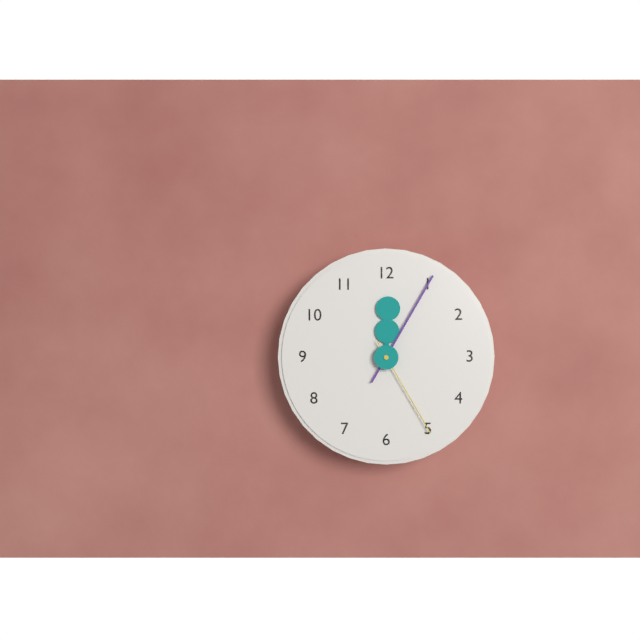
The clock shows 12h05m25s
